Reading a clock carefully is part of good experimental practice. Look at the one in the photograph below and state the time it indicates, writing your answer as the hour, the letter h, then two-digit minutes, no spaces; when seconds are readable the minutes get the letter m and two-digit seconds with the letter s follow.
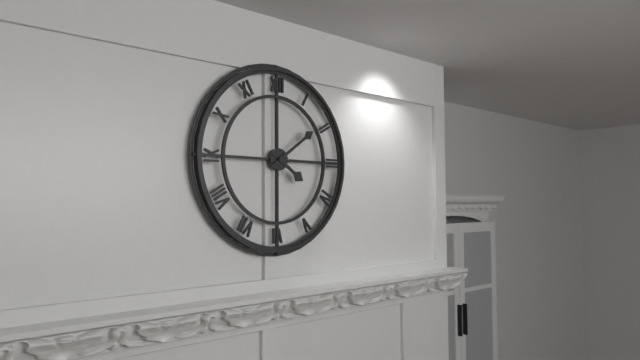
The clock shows 4h09
